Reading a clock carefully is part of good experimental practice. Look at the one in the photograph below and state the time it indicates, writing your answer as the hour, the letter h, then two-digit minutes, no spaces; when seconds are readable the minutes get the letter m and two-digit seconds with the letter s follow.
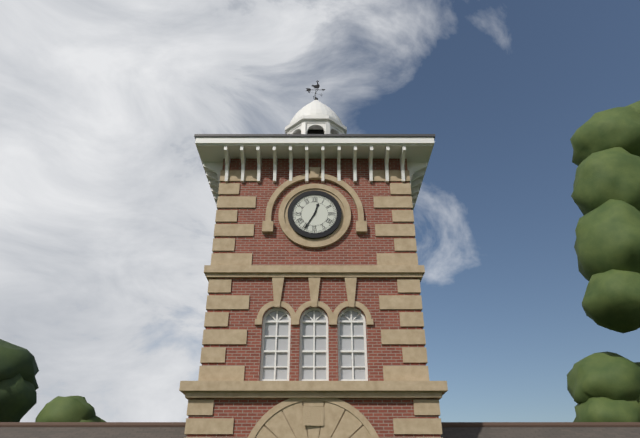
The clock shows 12h35
